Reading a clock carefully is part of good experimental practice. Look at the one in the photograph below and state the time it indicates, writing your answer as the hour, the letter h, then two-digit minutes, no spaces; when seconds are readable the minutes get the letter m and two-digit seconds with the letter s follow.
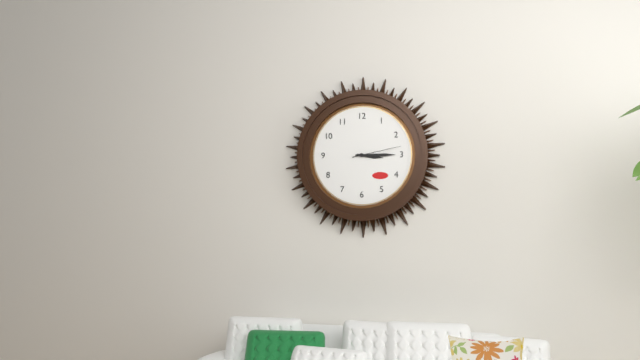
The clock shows 3h15m13s
